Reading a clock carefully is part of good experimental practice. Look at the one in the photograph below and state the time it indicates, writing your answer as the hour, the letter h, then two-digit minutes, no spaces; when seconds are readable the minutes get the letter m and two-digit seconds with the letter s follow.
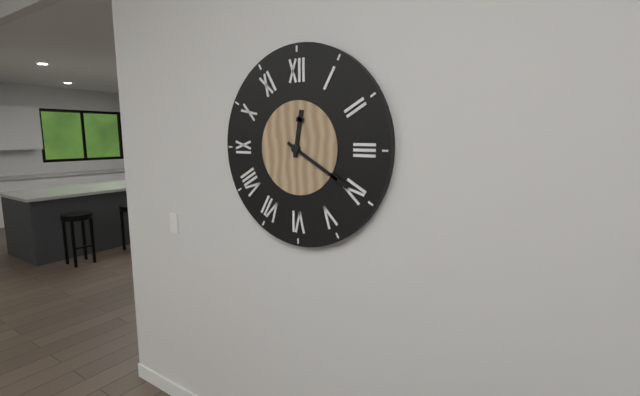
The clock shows 12h20
